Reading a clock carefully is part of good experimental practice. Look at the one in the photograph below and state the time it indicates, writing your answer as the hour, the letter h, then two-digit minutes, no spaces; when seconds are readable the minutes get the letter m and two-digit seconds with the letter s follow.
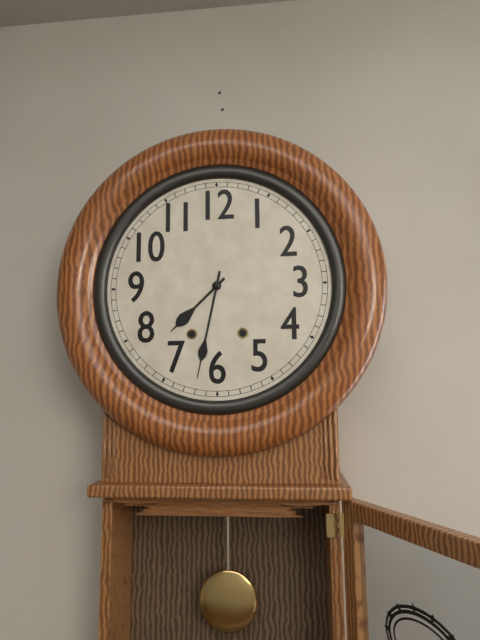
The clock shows 7h32
